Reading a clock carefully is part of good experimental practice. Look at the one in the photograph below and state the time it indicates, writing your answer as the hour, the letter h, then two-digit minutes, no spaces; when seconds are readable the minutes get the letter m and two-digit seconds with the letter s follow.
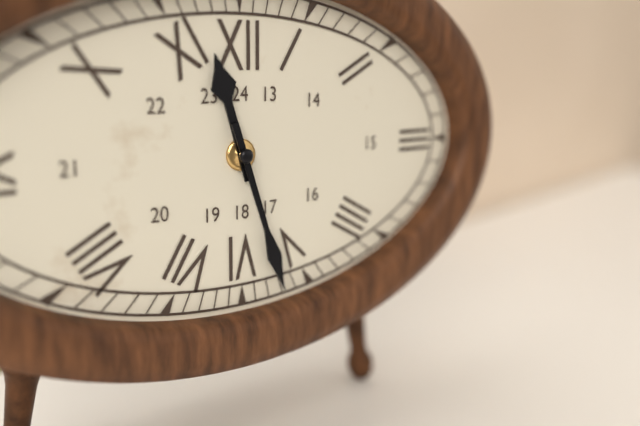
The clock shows 11h27
